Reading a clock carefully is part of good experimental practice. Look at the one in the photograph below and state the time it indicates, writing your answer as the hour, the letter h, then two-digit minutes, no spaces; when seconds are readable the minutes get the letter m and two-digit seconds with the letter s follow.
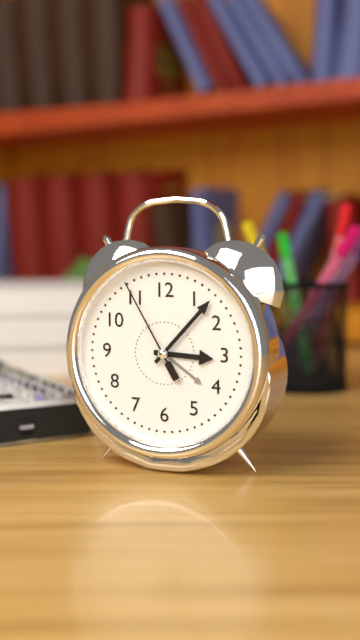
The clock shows 3h07m55s
